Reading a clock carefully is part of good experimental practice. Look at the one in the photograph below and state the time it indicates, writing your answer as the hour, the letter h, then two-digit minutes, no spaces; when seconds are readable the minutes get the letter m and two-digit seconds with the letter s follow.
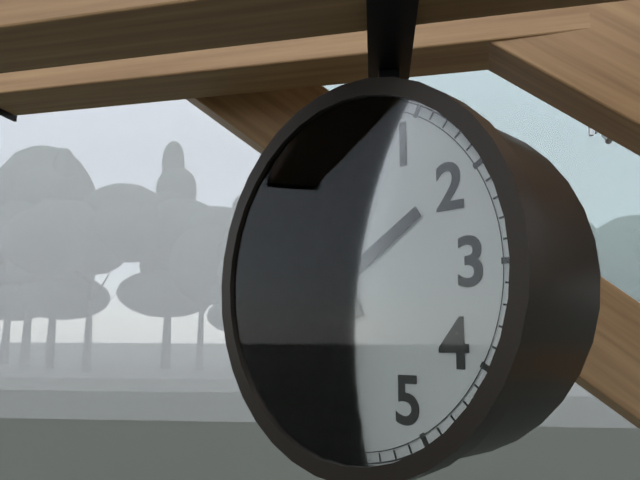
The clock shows 1h57
